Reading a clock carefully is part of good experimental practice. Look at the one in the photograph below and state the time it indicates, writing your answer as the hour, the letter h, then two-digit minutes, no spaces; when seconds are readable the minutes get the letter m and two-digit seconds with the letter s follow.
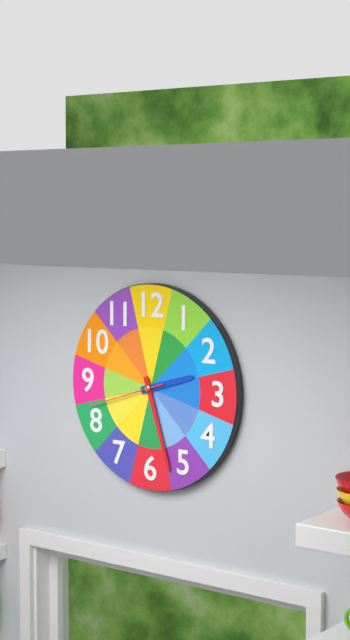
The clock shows 2h27m42s
